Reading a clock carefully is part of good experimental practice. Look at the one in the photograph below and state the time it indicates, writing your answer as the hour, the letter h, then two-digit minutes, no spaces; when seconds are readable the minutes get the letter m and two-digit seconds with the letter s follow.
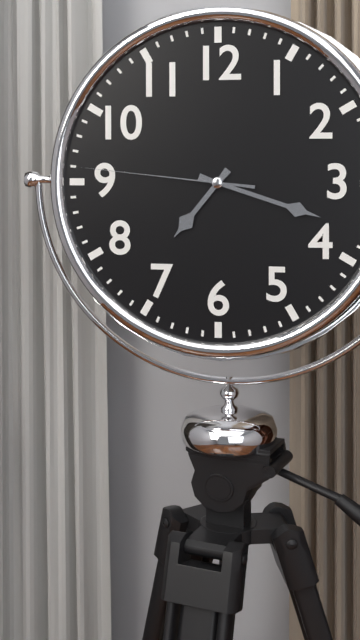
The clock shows 7h18m46s
